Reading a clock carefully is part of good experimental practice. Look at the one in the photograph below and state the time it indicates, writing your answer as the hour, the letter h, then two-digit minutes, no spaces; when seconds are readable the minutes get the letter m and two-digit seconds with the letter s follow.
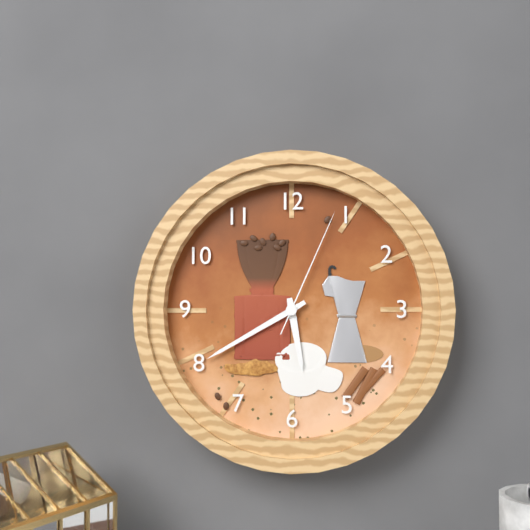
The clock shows 5h40m04s
